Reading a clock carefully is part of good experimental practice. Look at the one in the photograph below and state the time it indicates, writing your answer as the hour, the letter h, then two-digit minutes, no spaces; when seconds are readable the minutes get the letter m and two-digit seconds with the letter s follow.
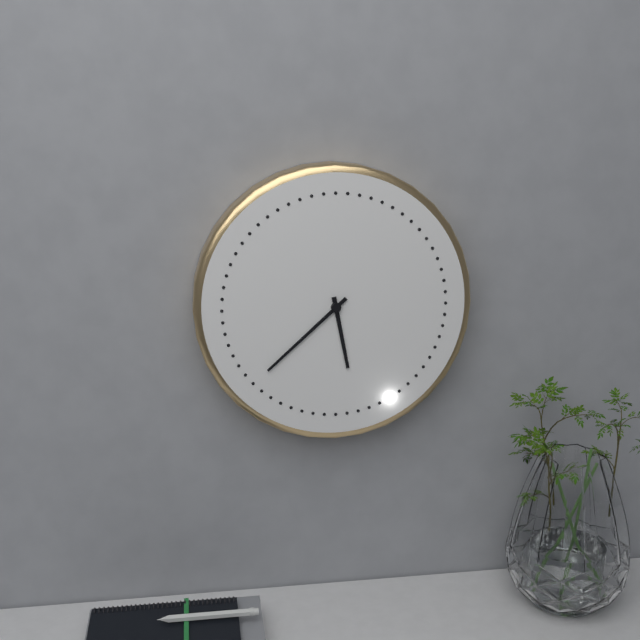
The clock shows 5h38
